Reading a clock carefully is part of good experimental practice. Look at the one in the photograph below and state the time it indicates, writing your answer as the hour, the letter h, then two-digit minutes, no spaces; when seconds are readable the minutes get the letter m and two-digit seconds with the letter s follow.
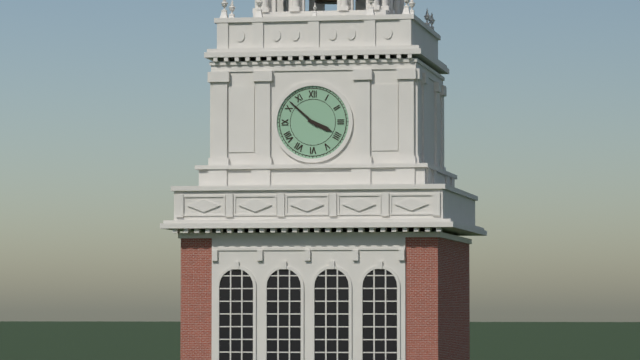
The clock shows 3h52
